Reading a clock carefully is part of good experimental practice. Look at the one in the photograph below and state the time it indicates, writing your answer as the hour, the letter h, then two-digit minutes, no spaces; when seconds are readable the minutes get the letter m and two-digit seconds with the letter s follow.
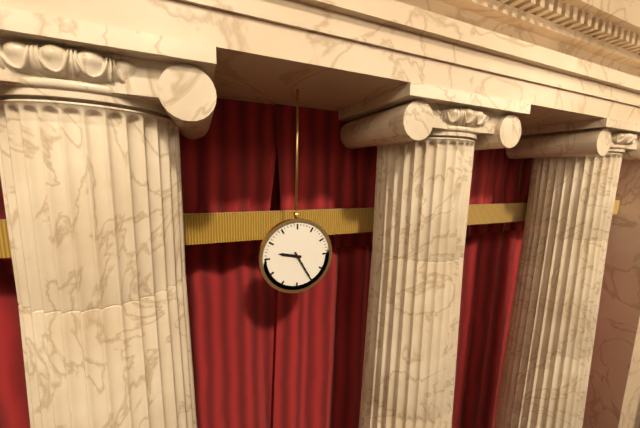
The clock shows 9h25
